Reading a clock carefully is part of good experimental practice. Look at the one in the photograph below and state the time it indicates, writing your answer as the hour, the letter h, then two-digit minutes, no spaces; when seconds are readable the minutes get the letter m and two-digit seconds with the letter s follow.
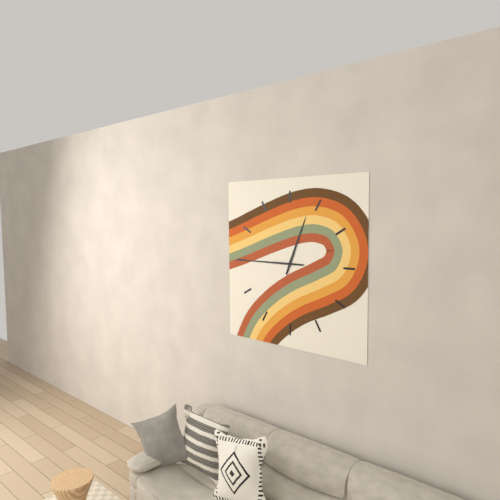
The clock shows 12h45
